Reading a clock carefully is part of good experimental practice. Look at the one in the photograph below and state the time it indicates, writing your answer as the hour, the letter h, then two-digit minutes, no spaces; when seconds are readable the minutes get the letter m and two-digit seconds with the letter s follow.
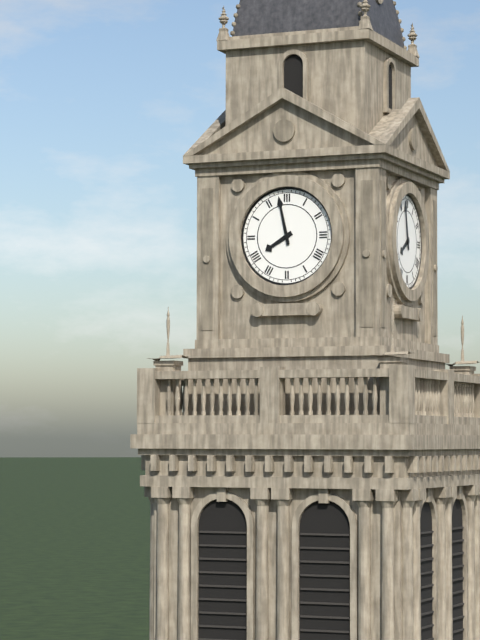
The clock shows 7h58
